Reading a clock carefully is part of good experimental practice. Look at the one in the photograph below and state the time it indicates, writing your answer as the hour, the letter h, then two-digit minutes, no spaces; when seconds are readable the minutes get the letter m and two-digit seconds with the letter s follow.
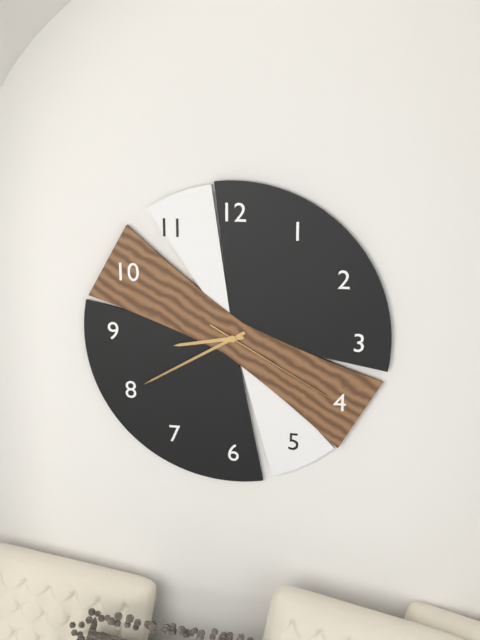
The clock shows 8h40m20s
